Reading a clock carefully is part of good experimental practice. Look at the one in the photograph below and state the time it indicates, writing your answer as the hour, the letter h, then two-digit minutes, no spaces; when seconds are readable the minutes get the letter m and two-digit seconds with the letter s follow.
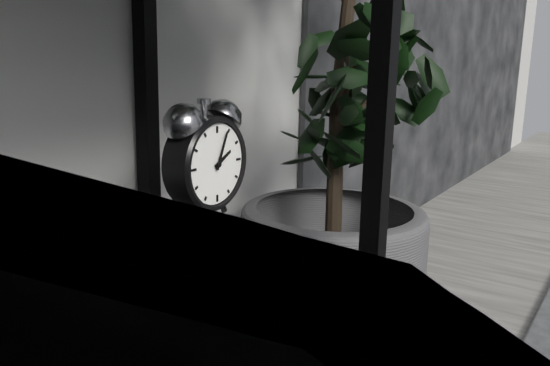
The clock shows 2h04
